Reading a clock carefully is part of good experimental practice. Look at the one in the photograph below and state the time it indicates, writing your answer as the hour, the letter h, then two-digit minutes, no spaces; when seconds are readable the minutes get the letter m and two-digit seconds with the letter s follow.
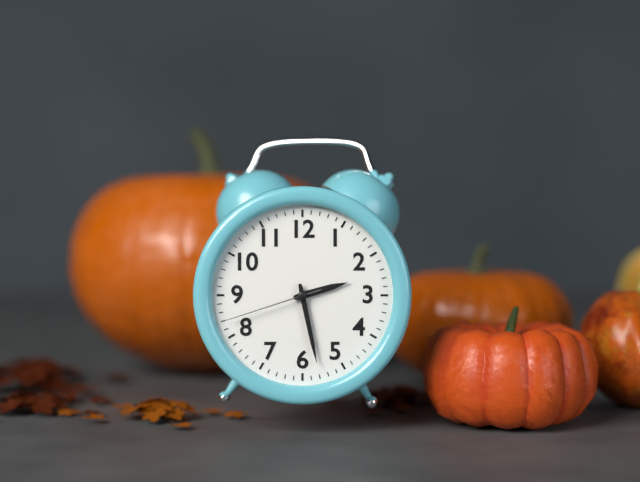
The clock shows 2h28m42s
